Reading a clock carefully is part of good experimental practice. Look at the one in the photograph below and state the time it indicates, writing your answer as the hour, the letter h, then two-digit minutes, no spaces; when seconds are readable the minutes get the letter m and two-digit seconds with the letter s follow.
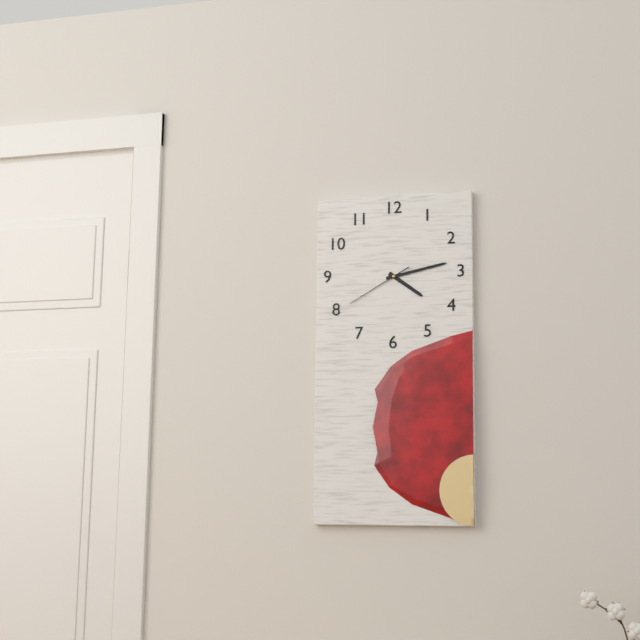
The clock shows 4h13m40s
